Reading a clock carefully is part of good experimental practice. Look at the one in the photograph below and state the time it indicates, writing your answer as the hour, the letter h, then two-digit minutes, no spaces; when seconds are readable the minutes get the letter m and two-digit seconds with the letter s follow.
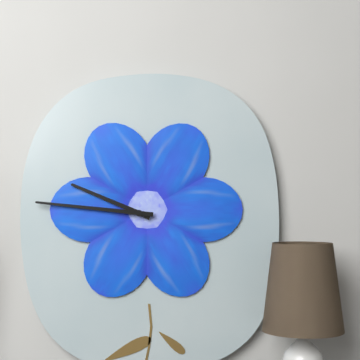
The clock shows 9h46
